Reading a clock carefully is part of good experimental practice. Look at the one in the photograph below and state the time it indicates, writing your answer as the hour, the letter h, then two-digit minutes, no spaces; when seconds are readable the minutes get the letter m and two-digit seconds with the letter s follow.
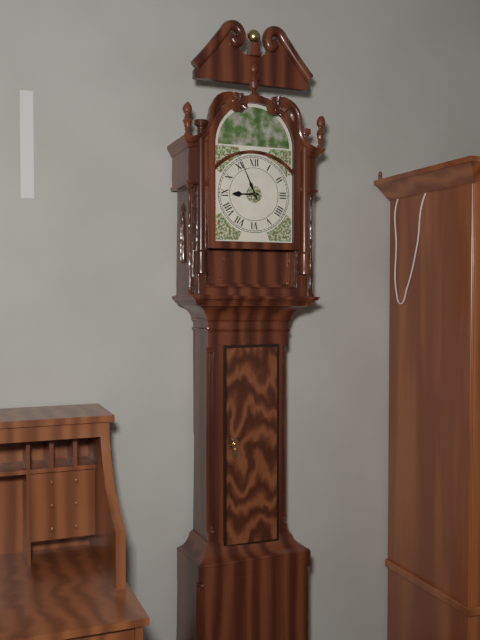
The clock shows 8h56
